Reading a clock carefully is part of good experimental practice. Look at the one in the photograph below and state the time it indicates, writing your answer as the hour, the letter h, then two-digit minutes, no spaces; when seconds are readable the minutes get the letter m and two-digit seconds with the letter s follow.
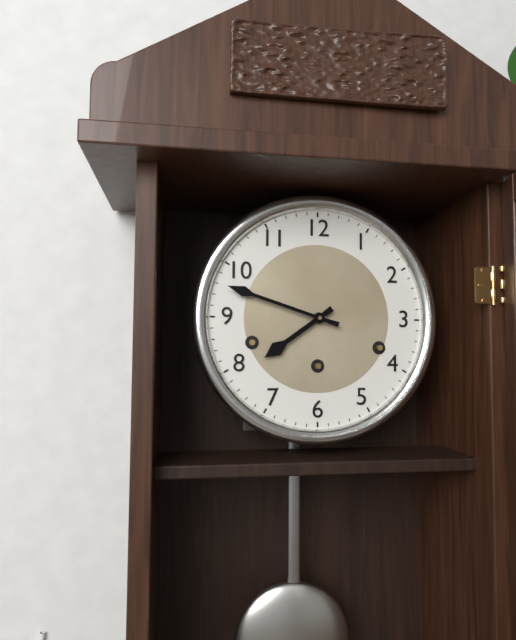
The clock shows 7h48
